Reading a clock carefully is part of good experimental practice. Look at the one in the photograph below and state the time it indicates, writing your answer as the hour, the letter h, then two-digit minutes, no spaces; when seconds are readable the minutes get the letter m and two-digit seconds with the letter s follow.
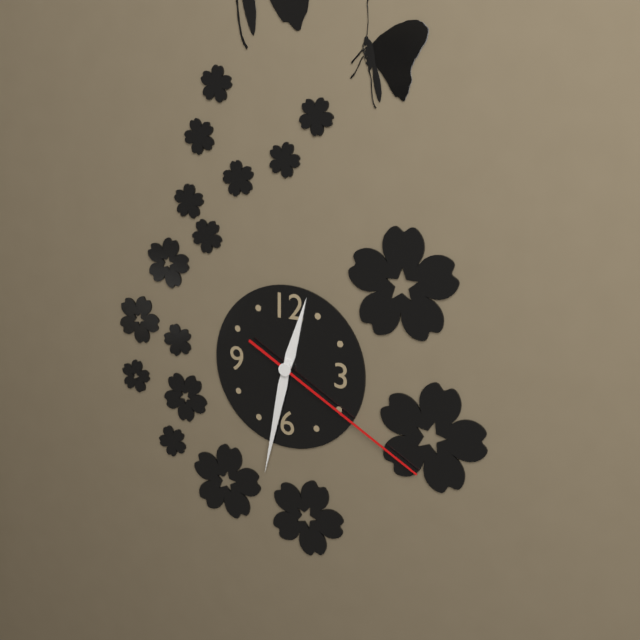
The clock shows 12h32m20s
